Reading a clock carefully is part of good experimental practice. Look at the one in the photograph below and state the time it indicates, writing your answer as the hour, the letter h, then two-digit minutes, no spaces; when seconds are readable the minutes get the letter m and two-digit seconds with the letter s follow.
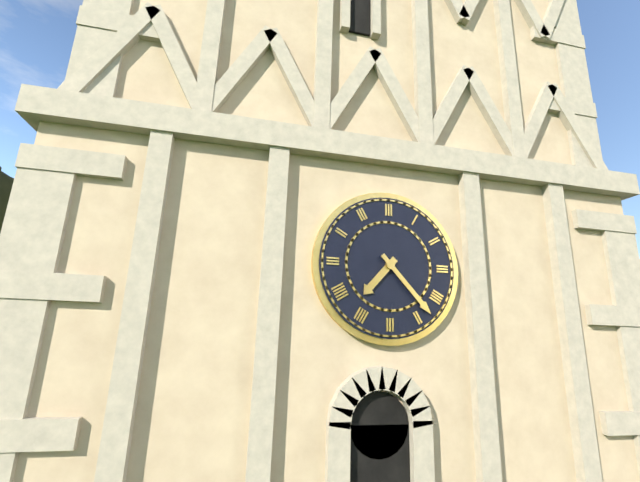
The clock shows 7h23
